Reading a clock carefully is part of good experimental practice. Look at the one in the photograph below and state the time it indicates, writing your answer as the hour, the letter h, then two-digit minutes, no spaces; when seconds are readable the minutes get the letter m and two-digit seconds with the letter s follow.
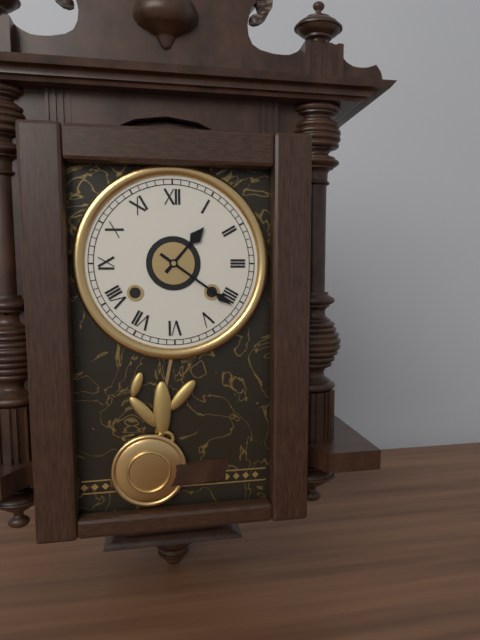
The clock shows 1h21
